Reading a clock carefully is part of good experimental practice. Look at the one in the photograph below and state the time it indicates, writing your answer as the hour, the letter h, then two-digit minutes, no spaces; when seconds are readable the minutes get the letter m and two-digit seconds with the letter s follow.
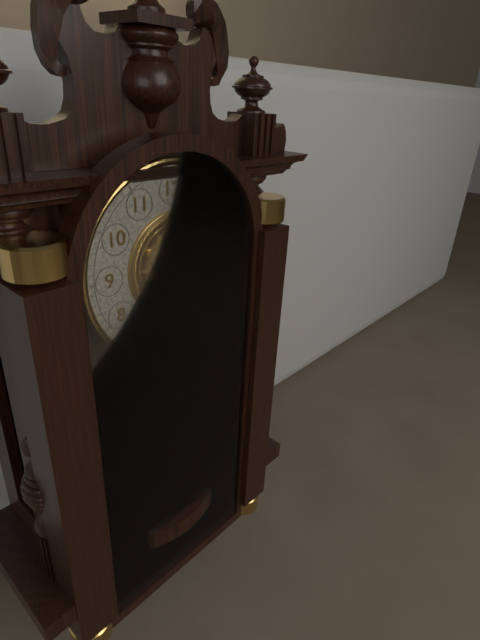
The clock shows 2h38
